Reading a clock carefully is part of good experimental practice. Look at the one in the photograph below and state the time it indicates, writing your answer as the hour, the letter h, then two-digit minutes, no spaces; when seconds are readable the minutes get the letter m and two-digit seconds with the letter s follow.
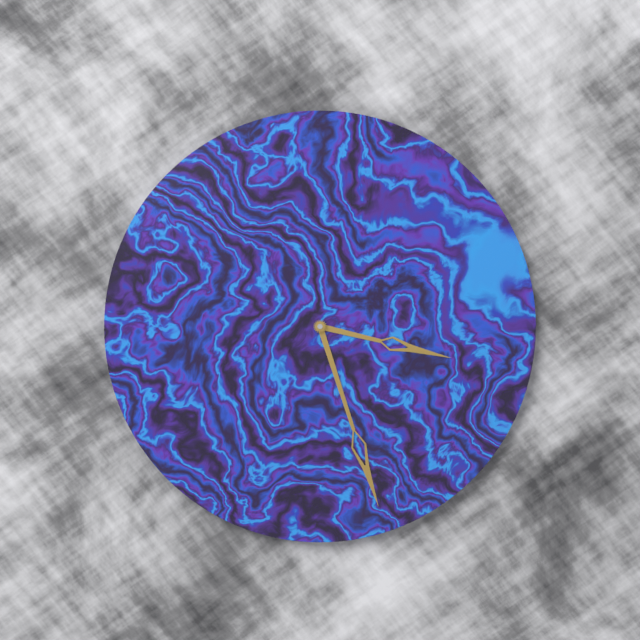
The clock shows 3h27
